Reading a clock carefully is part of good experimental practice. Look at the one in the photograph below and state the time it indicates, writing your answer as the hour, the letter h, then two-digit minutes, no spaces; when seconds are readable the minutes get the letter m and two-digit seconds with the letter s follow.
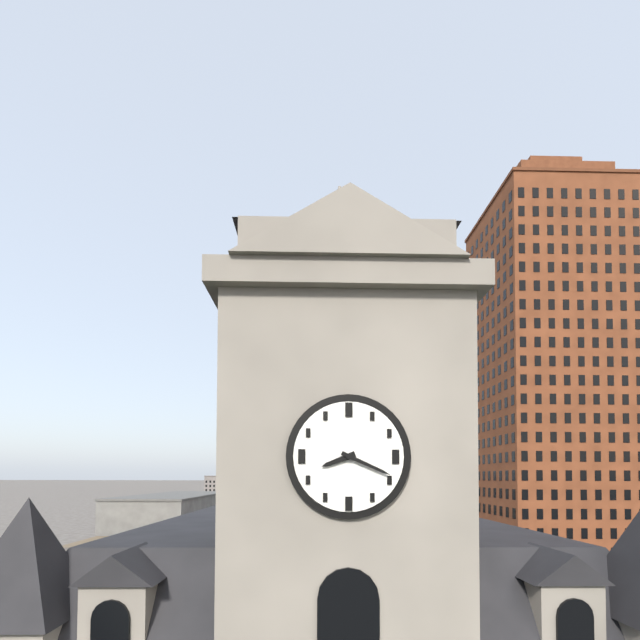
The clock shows 8h19
